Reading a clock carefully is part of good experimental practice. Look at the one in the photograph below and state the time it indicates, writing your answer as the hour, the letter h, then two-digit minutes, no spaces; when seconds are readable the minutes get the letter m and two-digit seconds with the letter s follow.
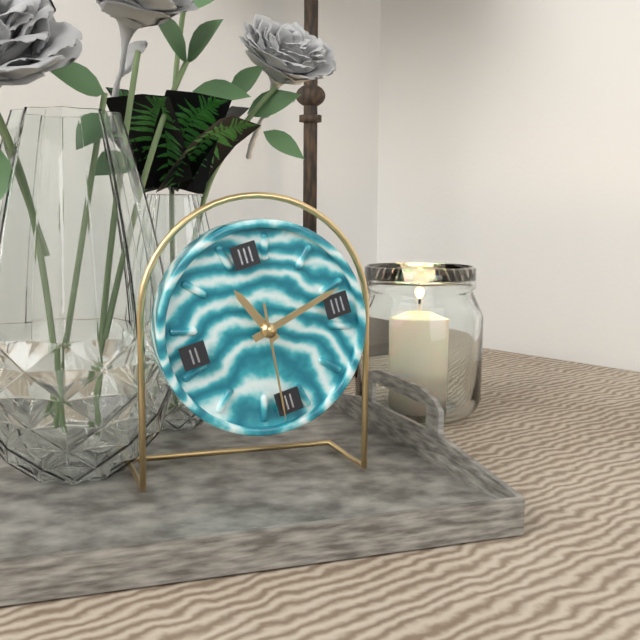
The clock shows 11h13m31s
